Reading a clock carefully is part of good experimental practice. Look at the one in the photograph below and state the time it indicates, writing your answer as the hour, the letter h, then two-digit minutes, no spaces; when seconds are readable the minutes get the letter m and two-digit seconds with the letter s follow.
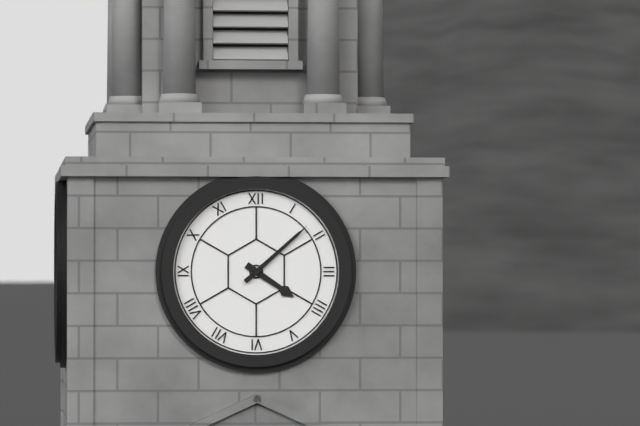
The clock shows 4h08
